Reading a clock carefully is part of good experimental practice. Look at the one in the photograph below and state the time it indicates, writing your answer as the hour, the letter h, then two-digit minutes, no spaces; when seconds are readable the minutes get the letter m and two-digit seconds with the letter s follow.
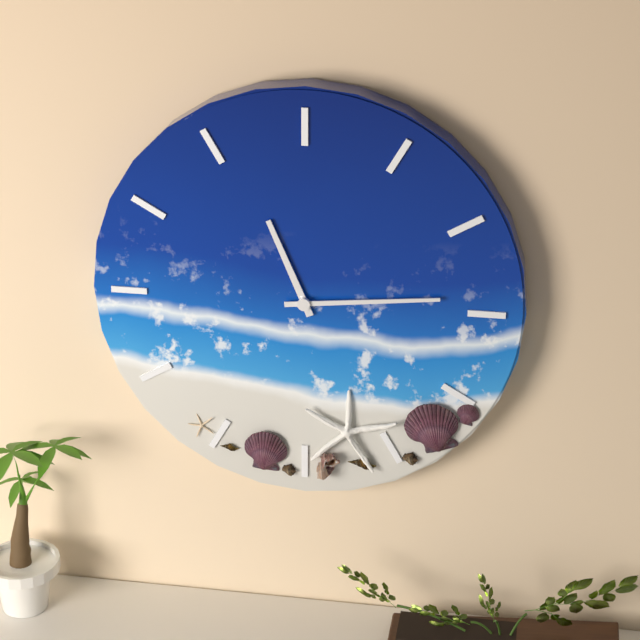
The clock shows 11h14
